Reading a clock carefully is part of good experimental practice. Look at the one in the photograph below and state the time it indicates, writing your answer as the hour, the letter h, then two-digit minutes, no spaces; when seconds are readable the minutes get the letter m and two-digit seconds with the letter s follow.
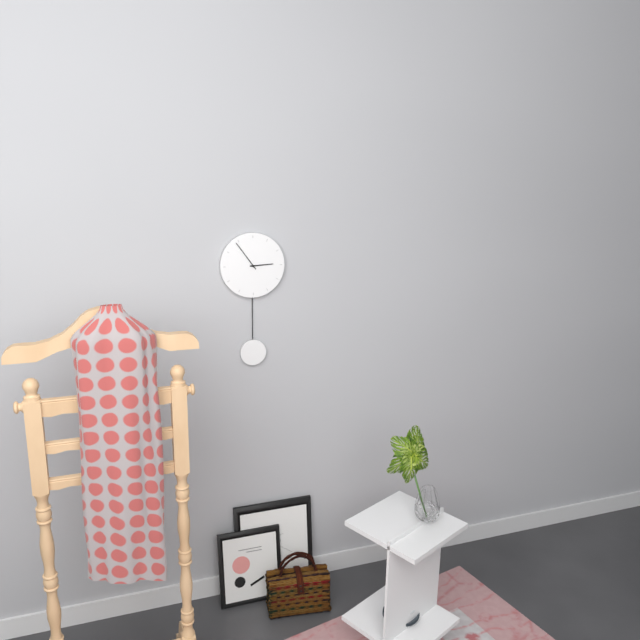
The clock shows 2h54
